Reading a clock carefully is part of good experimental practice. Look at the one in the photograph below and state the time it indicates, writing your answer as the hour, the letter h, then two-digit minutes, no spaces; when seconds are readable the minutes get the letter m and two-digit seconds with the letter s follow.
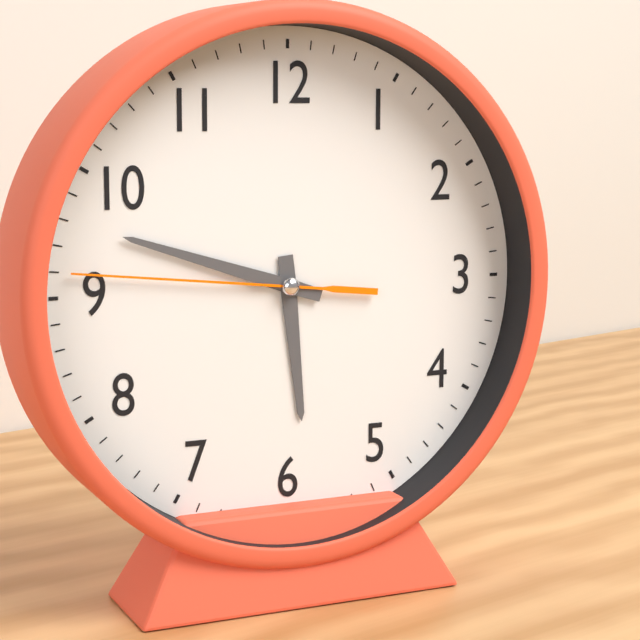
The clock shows 5h48m46s
